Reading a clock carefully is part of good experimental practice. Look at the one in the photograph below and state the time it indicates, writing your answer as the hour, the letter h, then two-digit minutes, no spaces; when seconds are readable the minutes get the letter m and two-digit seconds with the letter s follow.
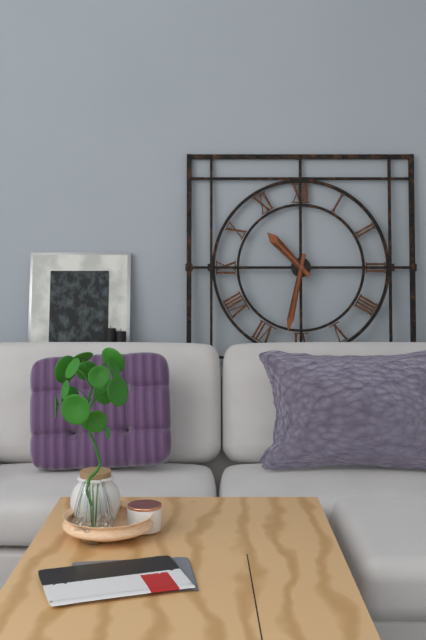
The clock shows 10h32
